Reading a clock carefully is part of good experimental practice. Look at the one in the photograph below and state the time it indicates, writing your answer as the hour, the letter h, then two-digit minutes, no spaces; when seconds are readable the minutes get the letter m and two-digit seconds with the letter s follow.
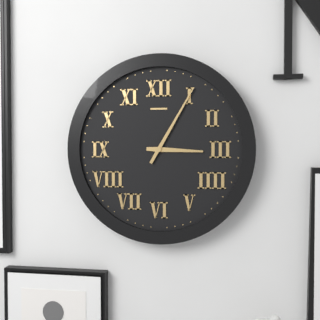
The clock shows 3h05
